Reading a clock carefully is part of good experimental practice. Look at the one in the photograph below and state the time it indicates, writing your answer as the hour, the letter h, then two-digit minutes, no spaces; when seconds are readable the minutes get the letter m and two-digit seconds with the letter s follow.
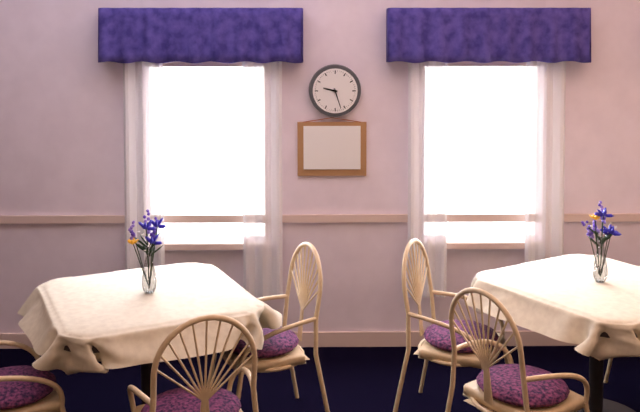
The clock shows 9h27
